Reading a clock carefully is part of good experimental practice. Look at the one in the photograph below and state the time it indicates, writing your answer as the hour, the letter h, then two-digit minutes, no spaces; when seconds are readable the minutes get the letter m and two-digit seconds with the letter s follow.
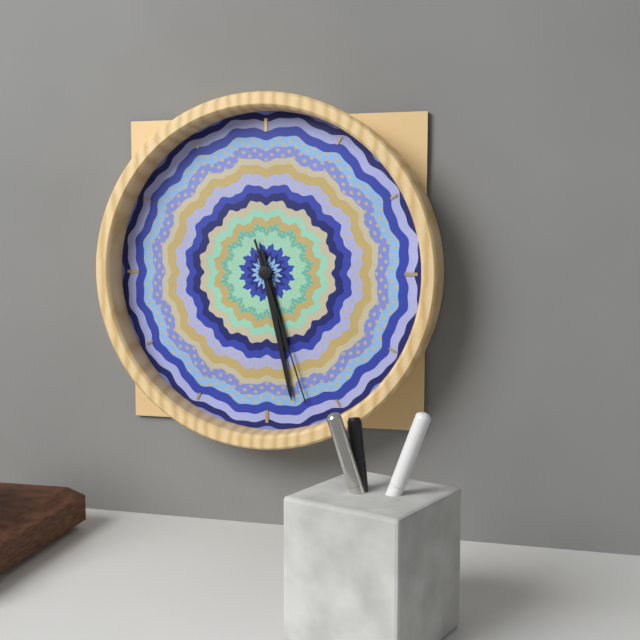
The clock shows 5h28m27s
